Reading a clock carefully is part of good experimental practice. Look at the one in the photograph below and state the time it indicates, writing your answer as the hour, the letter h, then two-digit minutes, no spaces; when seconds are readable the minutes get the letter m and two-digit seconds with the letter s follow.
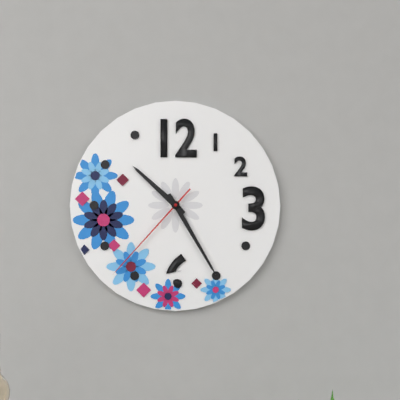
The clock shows 10h25m37s
